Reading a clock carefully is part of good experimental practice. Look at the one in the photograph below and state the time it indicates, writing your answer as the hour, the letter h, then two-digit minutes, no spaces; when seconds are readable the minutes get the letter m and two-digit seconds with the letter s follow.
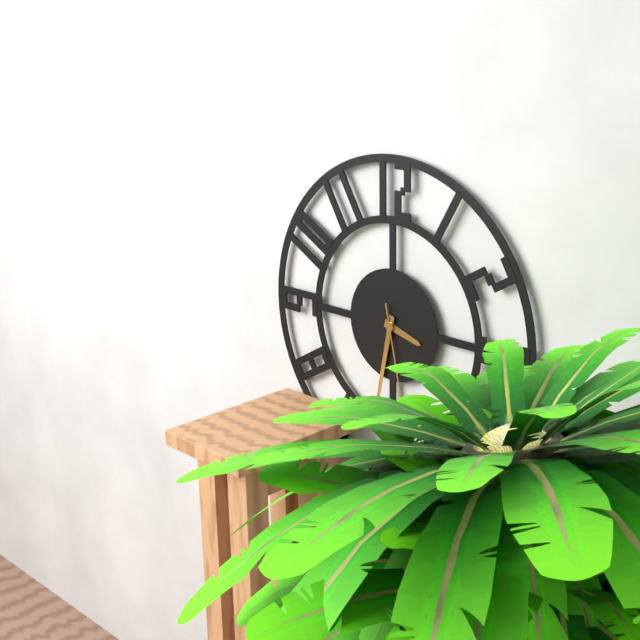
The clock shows 3h32m28s
